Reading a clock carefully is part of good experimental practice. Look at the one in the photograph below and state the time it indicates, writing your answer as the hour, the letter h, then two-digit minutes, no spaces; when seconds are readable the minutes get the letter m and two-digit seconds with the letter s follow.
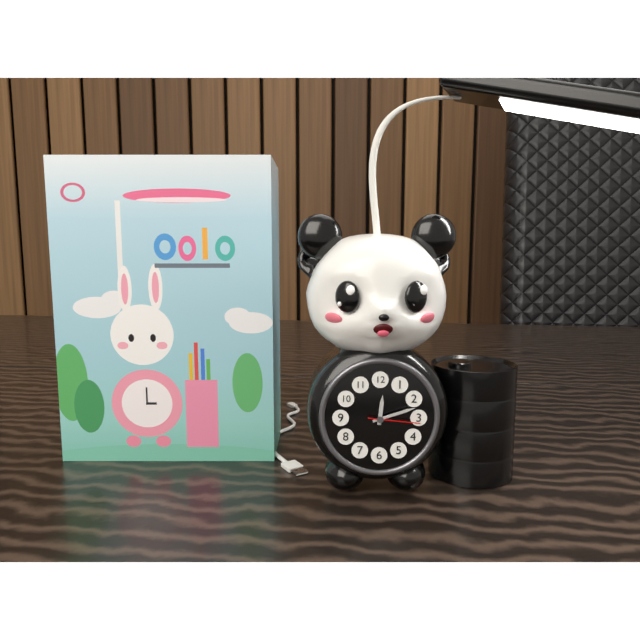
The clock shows 12h12m16s
